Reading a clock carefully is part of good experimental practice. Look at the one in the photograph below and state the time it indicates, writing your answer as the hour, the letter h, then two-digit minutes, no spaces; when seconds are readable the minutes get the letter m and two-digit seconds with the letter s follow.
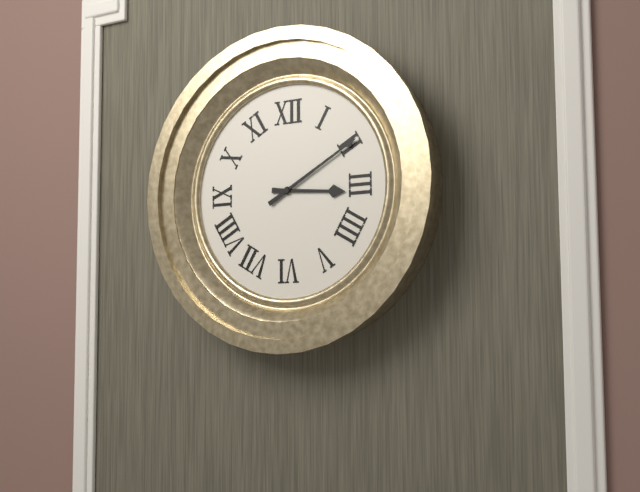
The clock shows 3h10
